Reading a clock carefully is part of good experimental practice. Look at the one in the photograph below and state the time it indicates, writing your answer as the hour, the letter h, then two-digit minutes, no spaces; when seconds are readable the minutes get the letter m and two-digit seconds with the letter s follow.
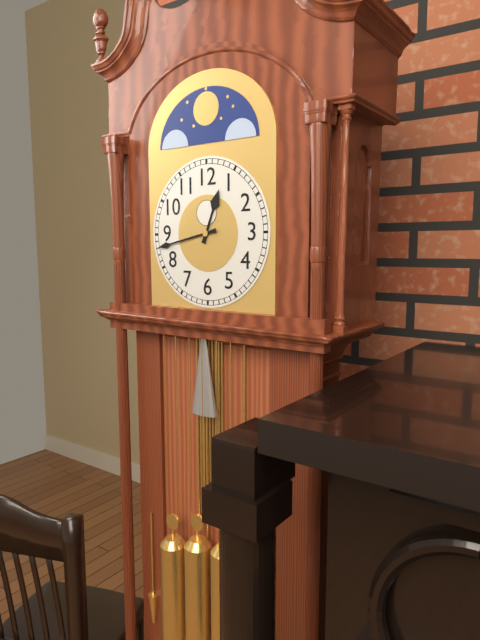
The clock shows 12h43
